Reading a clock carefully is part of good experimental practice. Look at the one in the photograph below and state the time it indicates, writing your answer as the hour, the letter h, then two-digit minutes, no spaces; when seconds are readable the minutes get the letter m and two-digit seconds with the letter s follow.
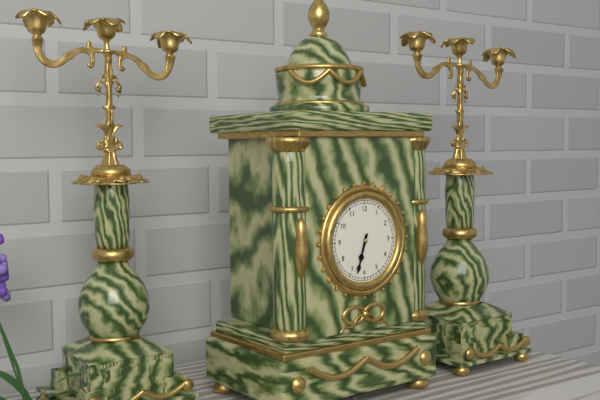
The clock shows 6h33
